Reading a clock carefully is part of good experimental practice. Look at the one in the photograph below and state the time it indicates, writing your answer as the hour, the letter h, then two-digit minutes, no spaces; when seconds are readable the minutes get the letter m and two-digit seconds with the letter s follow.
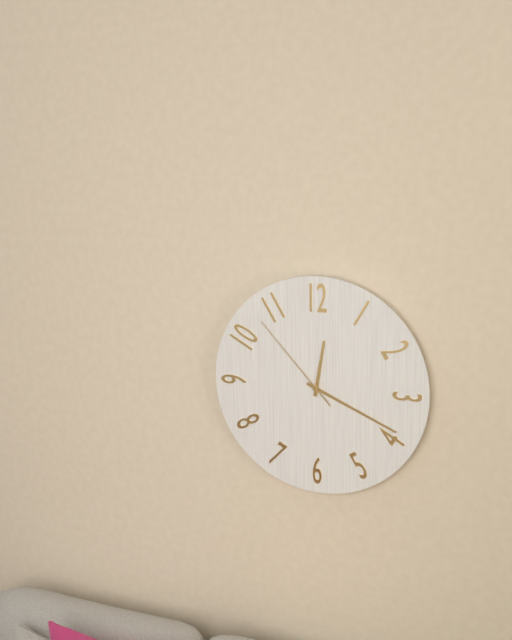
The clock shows 12h19m53s
